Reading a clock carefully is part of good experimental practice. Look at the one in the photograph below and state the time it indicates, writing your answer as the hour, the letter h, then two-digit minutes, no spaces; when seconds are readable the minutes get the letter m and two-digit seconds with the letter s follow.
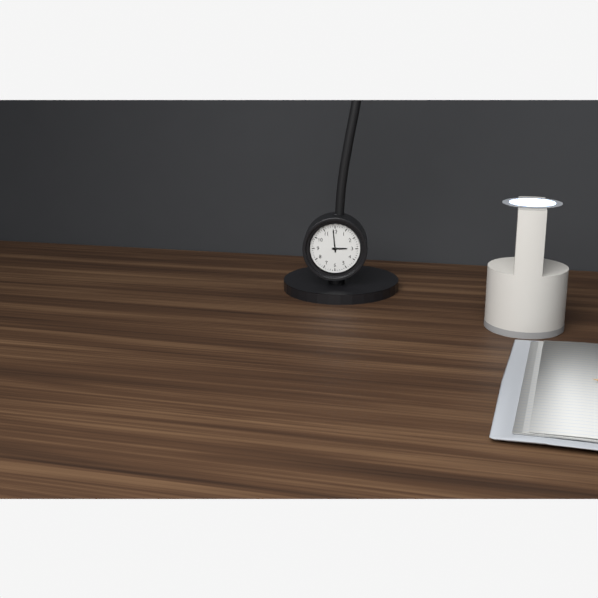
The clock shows 2h59
